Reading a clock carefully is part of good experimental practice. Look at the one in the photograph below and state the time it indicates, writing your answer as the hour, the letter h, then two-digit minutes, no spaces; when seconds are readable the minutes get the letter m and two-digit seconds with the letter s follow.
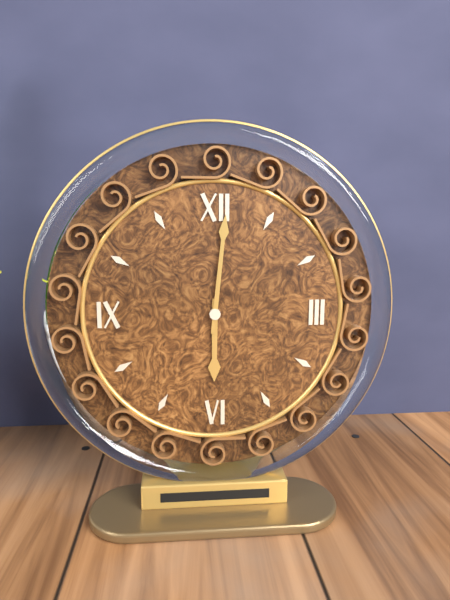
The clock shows 6h01
